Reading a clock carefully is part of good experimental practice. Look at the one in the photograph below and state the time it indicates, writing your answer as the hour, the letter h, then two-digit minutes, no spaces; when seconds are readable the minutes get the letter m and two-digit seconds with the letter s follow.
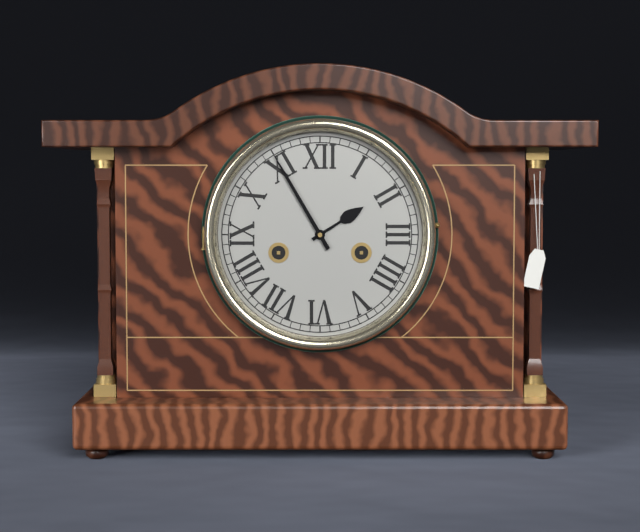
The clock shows 1h55
